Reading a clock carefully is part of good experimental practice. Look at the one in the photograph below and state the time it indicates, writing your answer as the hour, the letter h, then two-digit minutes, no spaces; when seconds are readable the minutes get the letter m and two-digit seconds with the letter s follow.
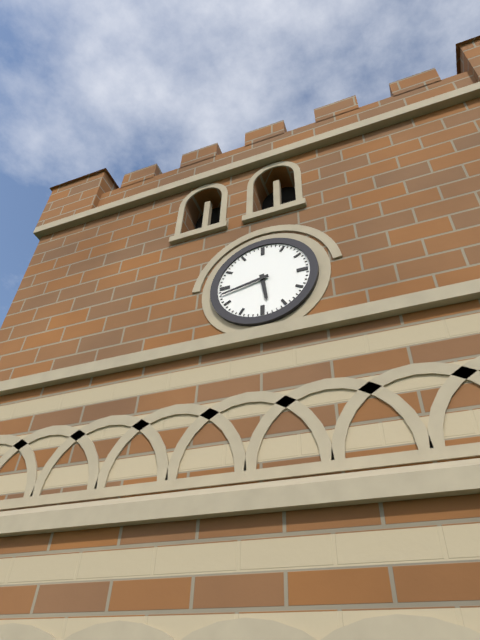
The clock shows 5h43
